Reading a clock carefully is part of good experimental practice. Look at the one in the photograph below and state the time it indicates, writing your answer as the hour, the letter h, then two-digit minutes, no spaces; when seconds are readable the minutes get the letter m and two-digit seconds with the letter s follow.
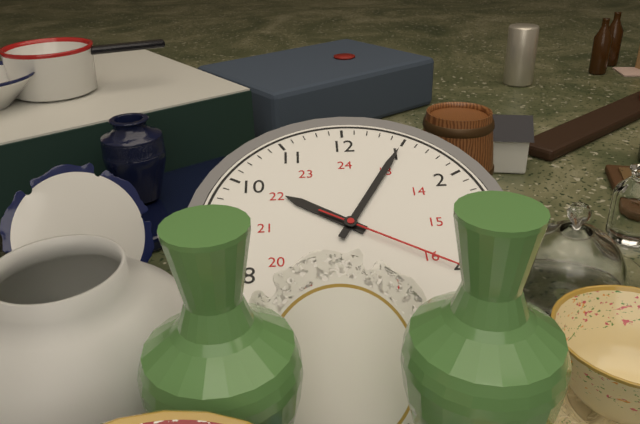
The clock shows 10h05m20s
